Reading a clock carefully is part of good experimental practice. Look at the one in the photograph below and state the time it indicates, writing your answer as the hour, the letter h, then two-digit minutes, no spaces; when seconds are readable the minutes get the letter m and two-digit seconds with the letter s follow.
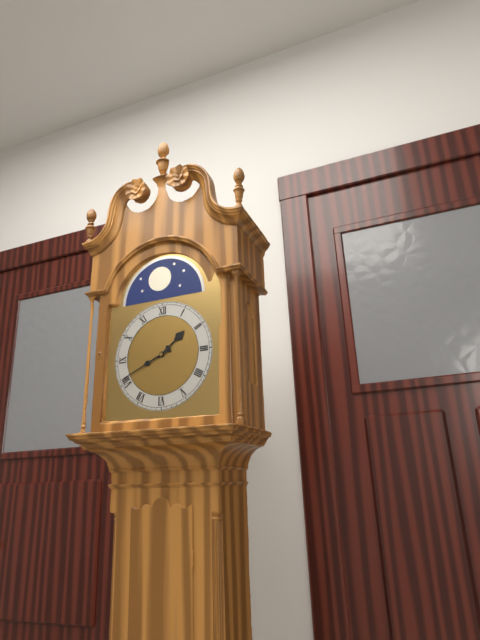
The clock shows 1h41
